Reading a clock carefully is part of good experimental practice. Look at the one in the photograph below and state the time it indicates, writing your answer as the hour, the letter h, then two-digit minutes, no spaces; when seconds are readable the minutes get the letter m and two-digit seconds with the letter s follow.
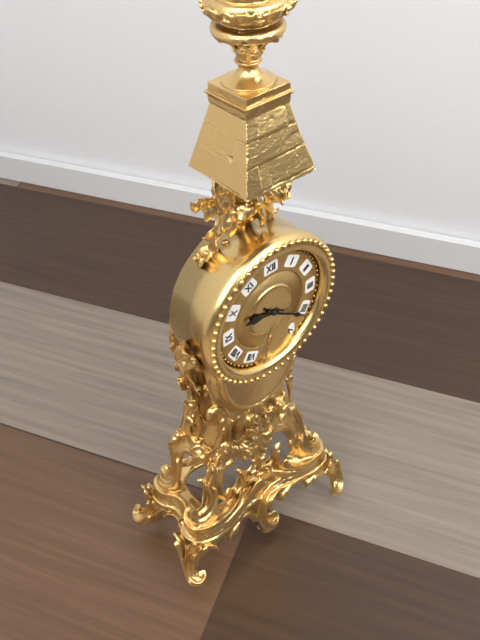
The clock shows 9h21
